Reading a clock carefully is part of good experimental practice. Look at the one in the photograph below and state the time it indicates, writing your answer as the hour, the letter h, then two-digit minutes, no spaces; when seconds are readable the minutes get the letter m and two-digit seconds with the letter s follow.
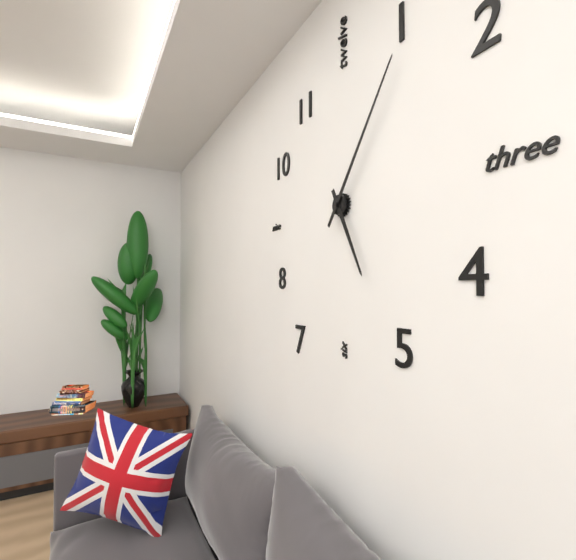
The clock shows 5h06
